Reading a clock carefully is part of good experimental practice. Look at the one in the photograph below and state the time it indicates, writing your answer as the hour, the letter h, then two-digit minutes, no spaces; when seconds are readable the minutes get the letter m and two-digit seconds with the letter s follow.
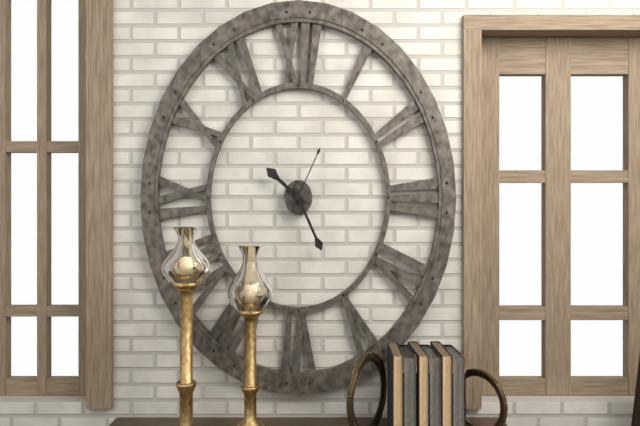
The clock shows 10h26m04s
